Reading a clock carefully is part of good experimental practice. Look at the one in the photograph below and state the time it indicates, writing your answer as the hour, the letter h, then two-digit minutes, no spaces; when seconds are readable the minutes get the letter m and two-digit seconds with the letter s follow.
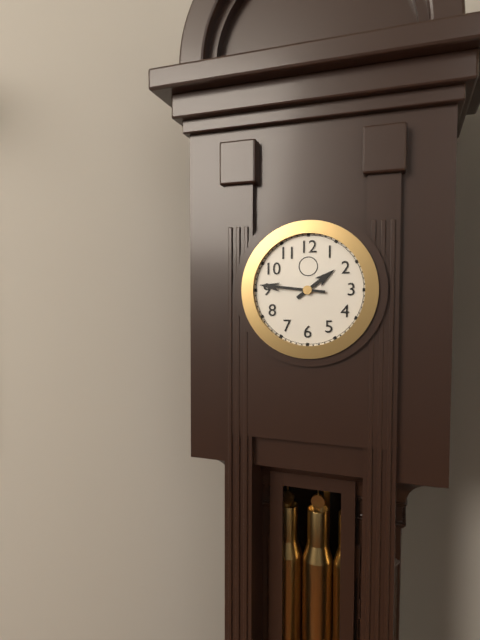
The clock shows 1h46
